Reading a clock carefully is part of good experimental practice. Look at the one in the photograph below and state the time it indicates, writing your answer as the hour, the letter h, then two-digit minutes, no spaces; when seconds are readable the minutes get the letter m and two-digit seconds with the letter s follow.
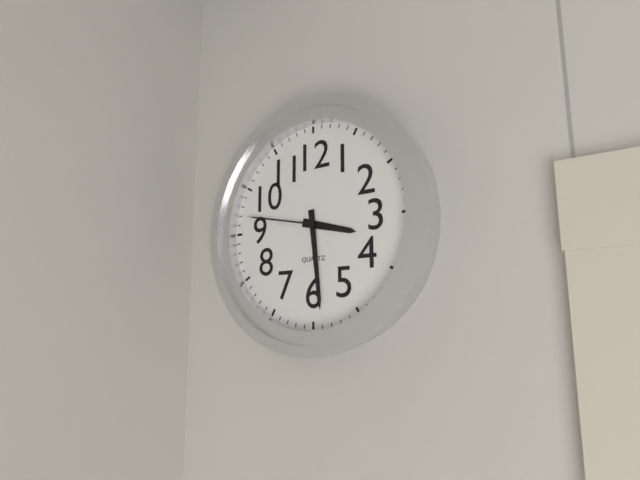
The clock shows 3h29m47s
